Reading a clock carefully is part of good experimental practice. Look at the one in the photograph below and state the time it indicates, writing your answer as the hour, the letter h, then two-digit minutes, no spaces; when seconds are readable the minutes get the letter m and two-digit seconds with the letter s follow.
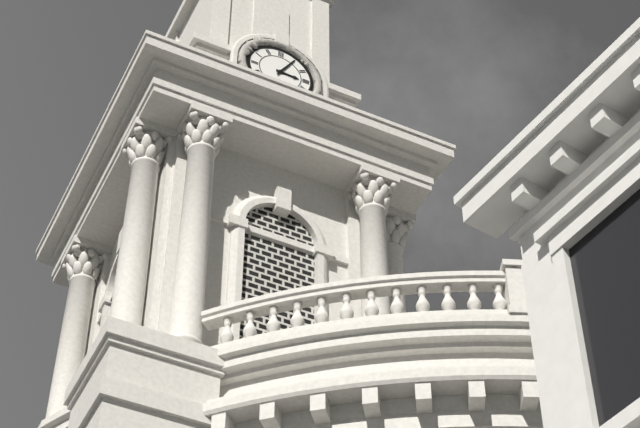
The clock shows 3h05
